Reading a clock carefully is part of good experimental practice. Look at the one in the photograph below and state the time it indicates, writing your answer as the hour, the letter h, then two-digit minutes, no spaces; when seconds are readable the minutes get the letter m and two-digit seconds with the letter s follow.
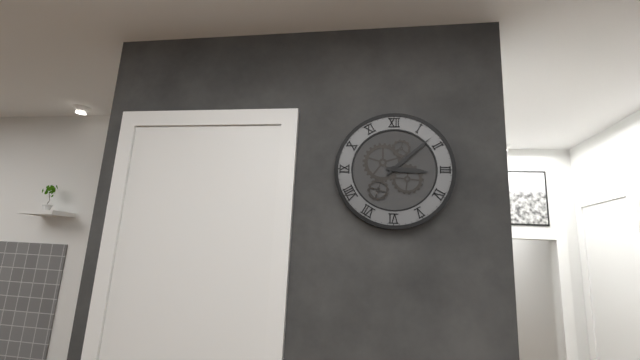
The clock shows 3h08
